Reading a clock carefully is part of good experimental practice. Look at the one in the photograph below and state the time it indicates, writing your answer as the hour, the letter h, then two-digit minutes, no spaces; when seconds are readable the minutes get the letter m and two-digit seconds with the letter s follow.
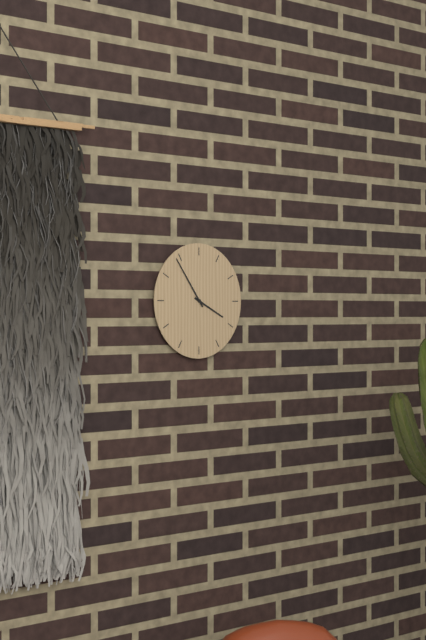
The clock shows 3h54
